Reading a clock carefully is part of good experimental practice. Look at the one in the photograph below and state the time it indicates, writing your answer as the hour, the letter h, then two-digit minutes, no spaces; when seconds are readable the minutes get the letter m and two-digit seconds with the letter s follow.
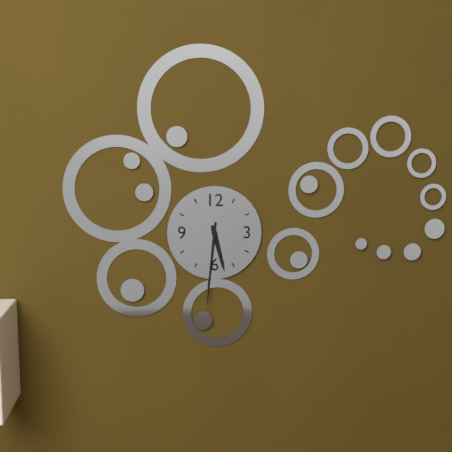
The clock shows 5h31
